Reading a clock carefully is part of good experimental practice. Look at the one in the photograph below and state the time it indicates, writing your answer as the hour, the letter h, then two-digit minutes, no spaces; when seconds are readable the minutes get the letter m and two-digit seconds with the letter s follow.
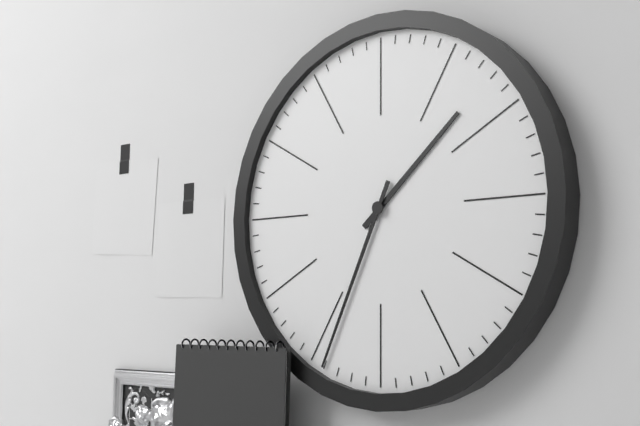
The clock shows 1h34
